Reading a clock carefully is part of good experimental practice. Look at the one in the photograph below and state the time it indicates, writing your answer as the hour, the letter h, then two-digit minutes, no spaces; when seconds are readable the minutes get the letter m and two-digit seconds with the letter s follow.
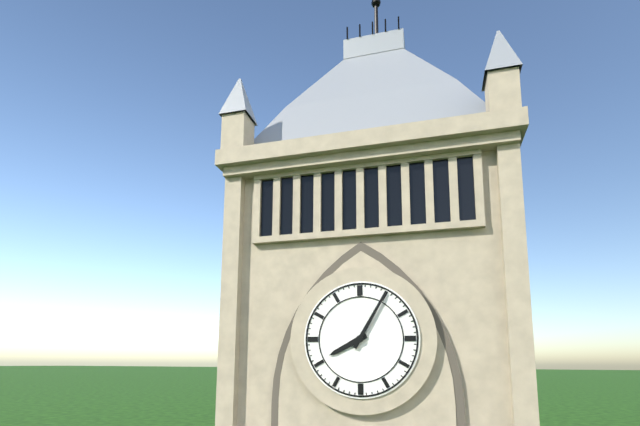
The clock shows 8h05
